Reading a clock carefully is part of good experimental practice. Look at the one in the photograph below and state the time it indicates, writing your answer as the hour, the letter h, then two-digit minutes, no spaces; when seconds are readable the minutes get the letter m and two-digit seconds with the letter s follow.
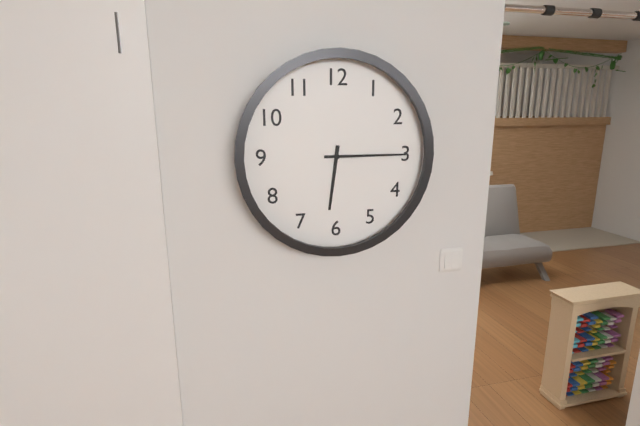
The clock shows 6h15
